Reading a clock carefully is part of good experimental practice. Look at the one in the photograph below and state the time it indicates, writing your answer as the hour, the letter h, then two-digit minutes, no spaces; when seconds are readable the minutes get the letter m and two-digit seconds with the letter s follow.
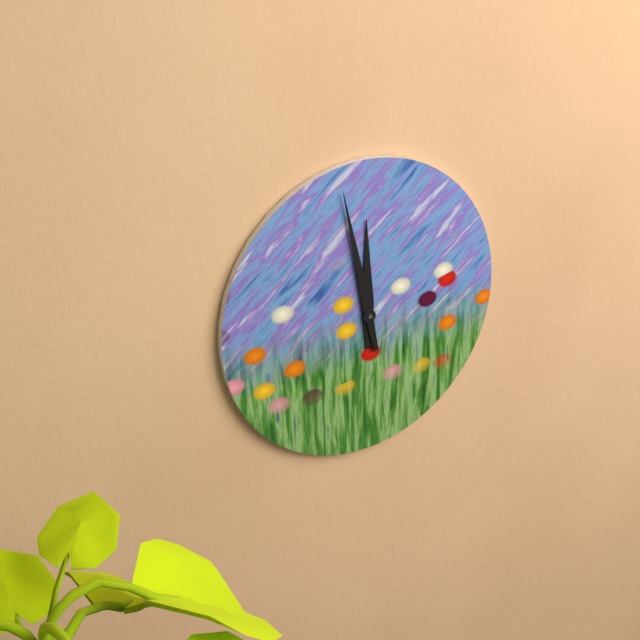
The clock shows 11h58
